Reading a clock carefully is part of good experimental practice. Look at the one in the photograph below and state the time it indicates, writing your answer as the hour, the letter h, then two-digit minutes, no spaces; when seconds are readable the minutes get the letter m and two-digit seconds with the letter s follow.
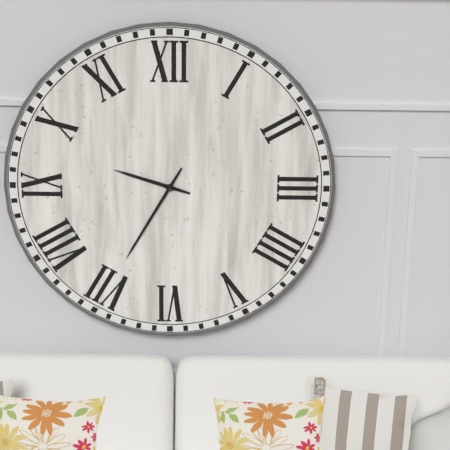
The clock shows 9h35
